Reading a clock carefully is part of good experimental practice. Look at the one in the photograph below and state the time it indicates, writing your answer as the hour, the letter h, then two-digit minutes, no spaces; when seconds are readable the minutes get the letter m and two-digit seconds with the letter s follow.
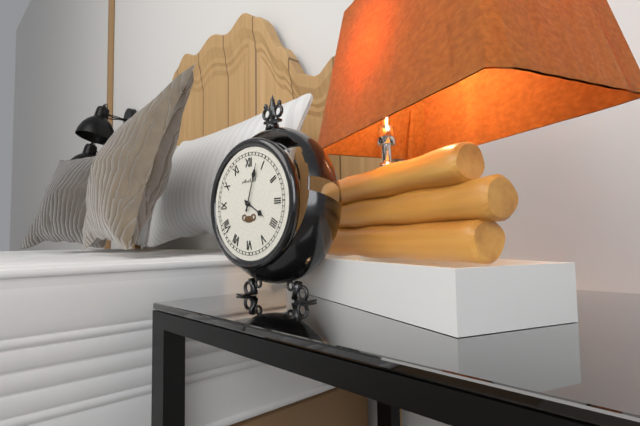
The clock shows 4h03
